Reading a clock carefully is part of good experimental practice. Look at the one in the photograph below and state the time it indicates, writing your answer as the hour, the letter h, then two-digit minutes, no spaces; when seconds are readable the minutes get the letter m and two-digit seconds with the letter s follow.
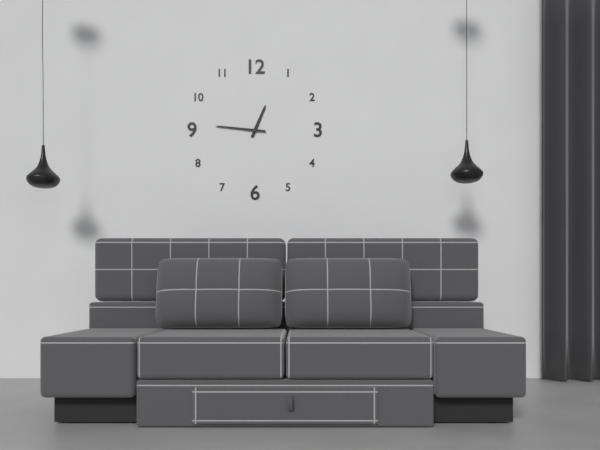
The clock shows 12h46
